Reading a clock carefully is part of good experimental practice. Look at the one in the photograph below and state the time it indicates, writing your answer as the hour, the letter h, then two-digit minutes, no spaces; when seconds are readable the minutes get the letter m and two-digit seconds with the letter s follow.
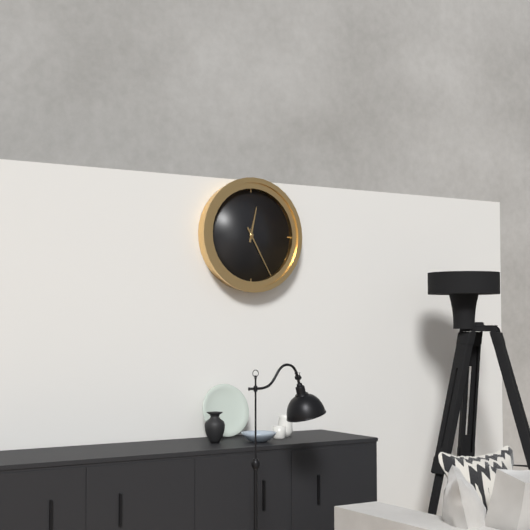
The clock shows 12h25
